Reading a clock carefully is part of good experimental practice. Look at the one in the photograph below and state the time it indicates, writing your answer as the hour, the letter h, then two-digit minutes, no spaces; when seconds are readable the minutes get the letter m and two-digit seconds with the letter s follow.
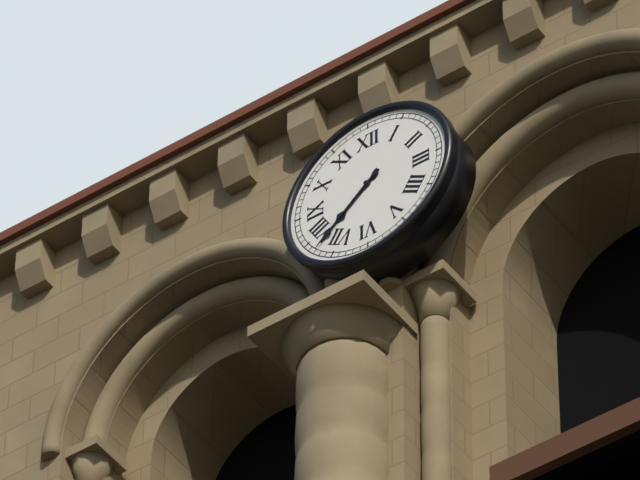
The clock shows 7h38
